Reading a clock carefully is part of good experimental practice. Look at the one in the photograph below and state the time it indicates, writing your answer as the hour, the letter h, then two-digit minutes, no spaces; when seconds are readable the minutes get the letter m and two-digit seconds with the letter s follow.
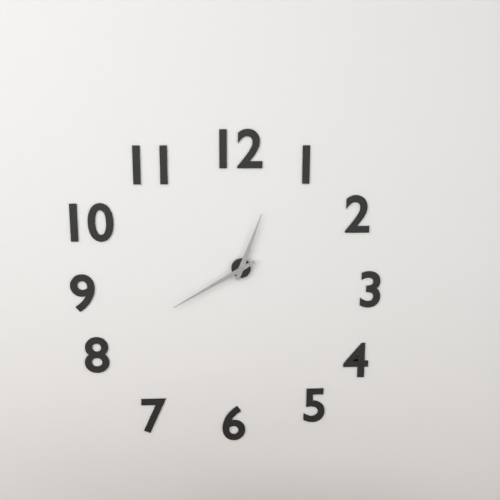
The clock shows 12h40
